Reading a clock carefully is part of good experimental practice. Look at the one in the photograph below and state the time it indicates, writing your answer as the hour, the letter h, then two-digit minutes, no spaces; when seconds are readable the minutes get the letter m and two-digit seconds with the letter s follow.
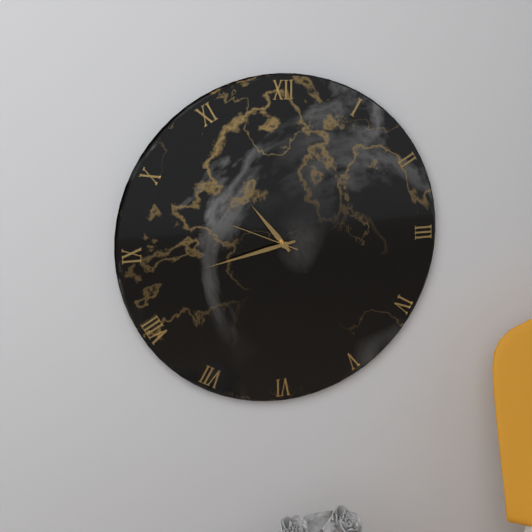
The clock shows 10h43m49s
